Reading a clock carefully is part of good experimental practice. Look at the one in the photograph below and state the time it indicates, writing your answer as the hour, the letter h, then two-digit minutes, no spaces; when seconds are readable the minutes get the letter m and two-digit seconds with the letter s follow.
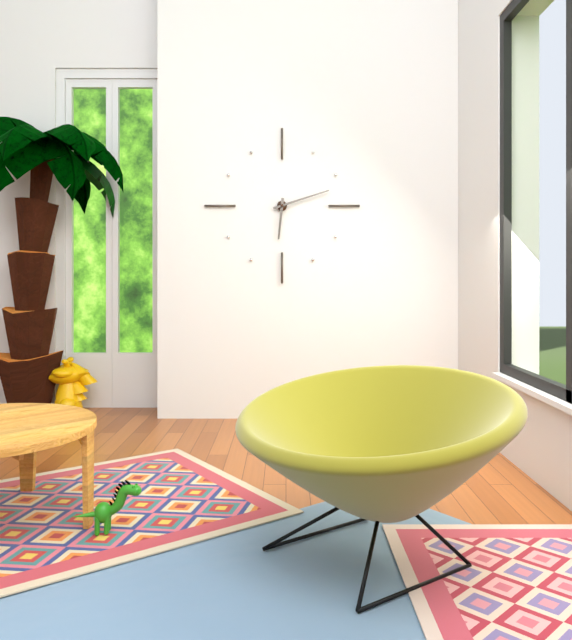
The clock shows 6h12
